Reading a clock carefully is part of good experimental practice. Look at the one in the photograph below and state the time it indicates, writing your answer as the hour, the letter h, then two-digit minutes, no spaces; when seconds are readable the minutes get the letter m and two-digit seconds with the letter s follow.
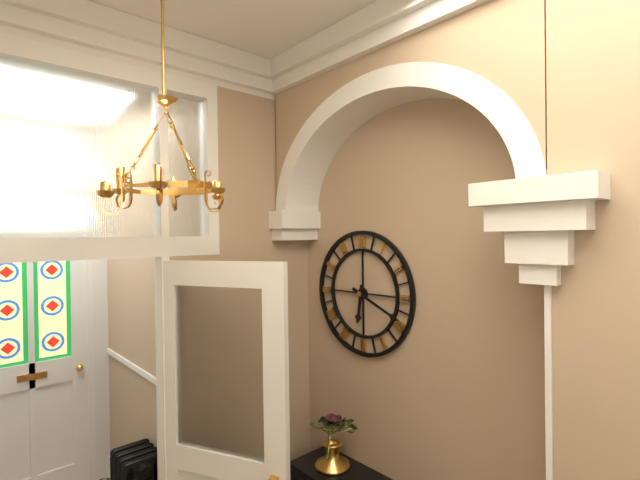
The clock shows 6h19
